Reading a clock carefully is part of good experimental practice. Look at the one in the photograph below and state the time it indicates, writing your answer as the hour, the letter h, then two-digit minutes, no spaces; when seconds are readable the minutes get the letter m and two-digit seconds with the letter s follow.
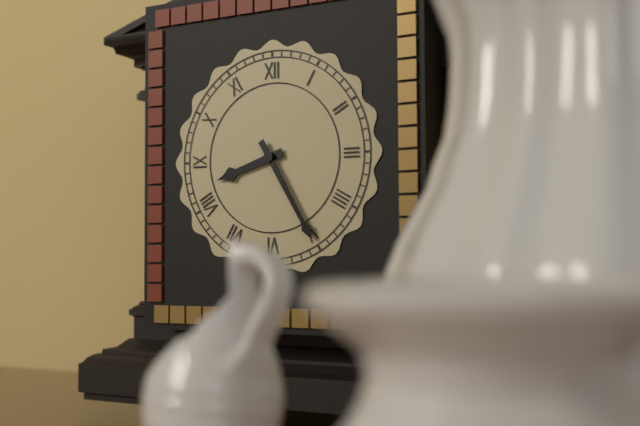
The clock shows 8h25
